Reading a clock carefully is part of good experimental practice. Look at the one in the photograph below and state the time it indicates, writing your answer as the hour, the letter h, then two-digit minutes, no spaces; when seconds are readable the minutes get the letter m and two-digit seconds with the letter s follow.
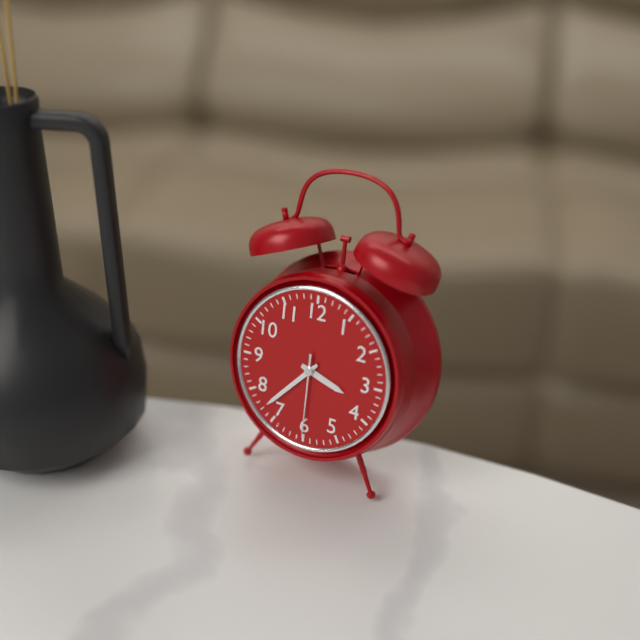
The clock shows 3h37m30s
